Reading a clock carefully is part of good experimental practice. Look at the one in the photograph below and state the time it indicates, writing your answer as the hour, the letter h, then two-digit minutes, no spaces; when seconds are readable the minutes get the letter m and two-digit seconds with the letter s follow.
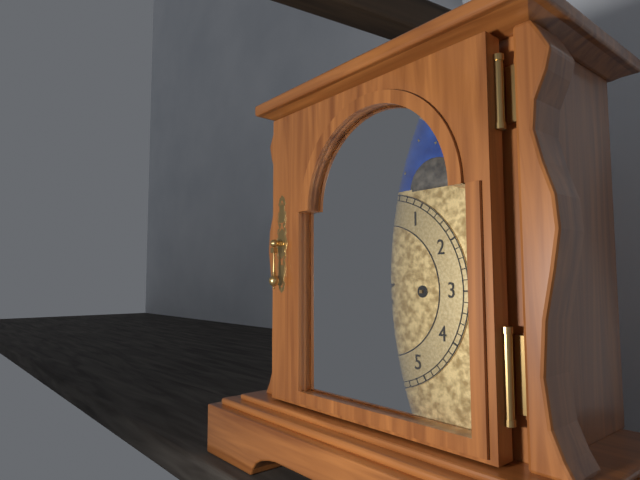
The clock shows 7h55
